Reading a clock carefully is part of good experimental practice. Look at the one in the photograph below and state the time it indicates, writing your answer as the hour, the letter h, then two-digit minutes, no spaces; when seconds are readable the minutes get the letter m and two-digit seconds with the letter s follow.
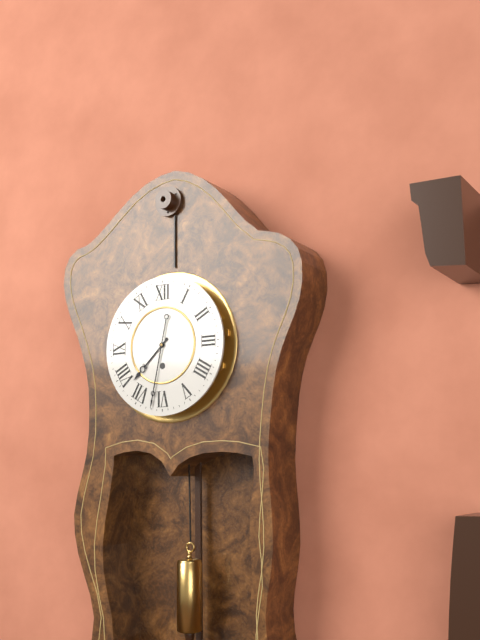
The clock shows 7h32
